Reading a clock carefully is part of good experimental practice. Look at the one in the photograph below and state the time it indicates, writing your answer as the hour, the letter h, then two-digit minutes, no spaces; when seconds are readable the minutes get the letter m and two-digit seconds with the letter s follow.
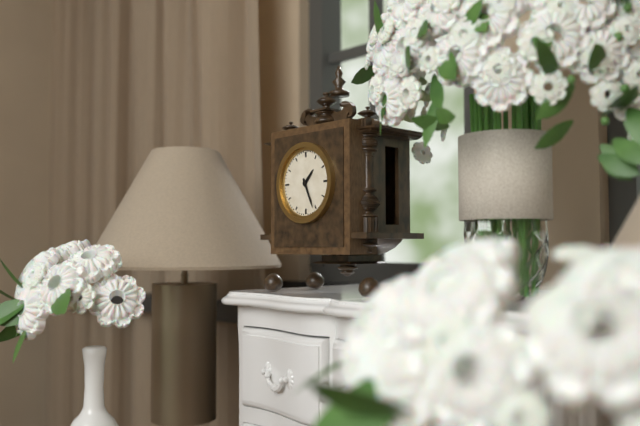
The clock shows 1h26
